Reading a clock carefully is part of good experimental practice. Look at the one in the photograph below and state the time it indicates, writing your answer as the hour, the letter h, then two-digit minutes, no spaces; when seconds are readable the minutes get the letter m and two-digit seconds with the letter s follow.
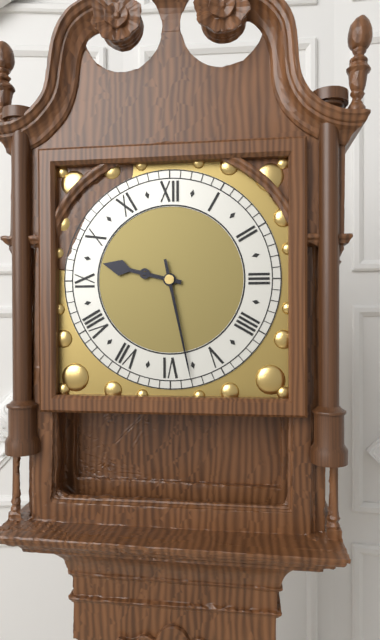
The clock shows 9h28
